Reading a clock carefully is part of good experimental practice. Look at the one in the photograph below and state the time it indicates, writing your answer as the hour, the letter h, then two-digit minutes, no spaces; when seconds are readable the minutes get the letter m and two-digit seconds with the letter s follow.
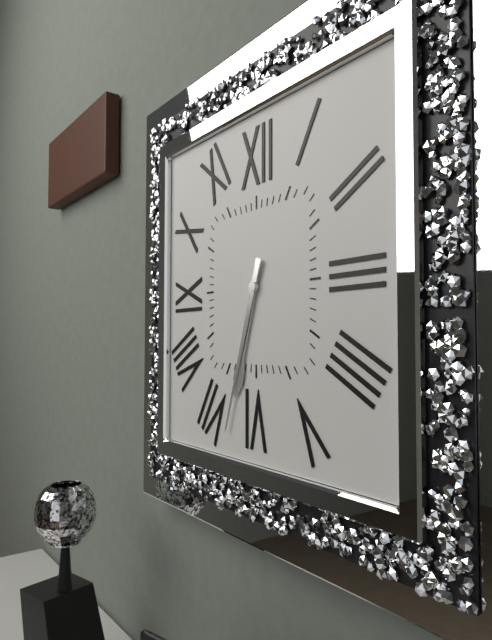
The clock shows 6h33
